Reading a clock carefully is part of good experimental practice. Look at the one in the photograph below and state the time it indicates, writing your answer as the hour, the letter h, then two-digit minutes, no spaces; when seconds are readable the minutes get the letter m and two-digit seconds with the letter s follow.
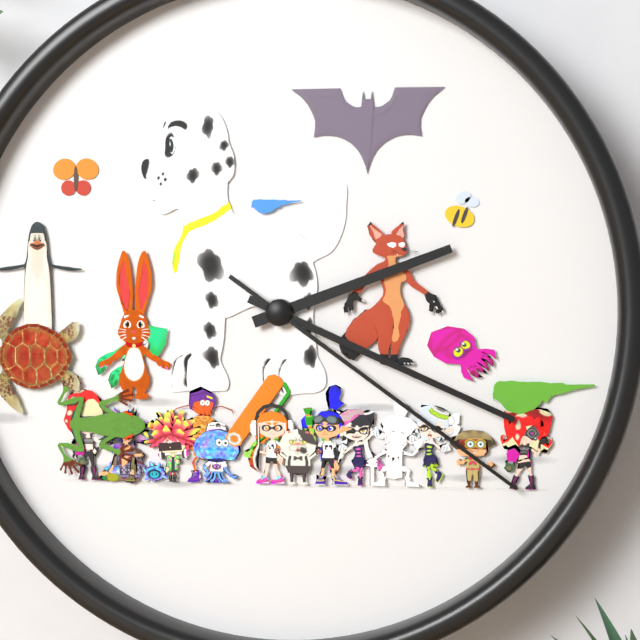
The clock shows 2h19m21s
